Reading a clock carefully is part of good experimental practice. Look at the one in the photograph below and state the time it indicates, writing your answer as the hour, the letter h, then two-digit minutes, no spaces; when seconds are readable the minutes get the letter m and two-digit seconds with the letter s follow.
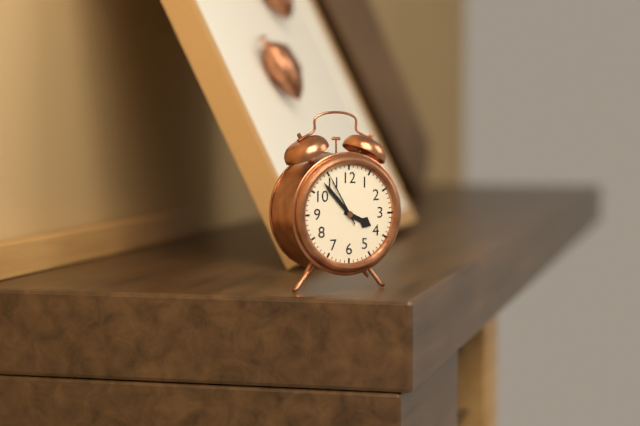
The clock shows 3h53m55s
